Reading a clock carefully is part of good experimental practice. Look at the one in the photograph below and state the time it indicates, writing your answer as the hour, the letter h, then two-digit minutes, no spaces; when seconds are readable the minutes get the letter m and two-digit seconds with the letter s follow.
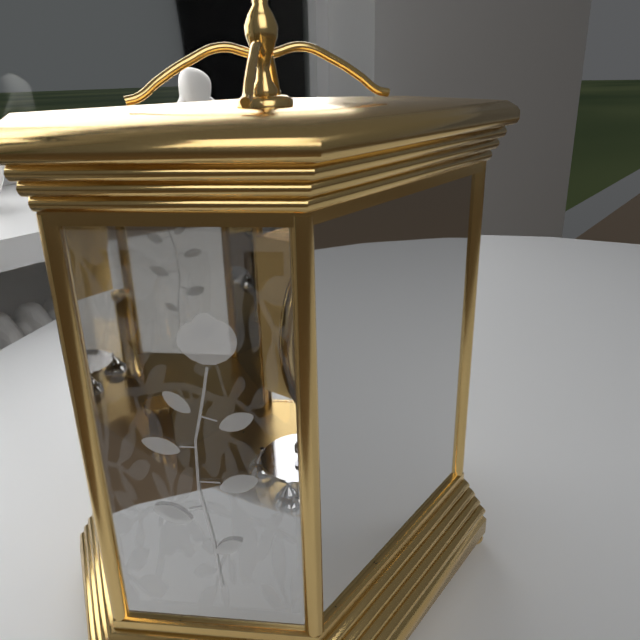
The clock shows 1h40
